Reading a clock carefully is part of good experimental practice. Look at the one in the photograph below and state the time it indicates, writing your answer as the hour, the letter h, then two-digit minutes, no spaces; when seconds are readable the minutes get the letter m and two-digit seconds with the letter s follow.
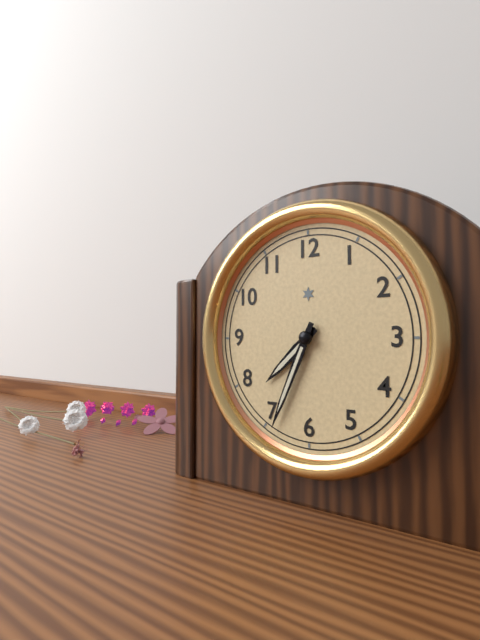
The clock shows 7h34
